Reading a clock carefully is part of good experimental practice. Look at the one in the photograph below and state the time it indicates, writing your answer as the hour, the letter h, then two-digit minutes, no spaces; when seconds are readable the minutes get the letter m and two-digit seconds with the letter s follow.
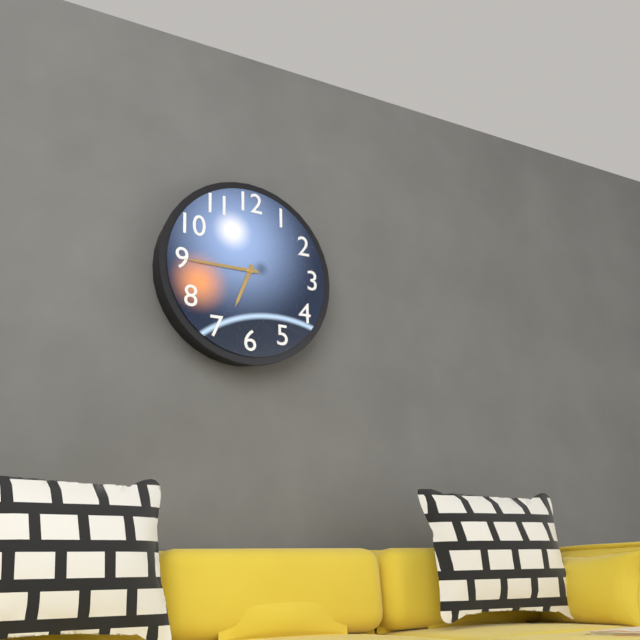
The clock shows 6h45
